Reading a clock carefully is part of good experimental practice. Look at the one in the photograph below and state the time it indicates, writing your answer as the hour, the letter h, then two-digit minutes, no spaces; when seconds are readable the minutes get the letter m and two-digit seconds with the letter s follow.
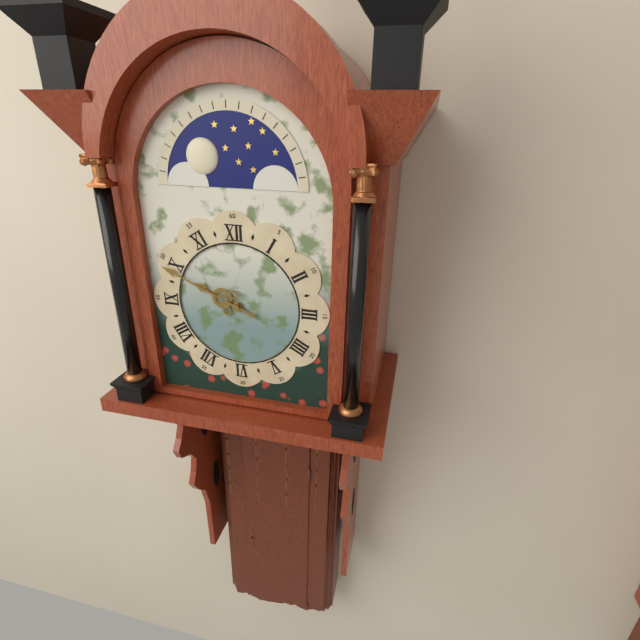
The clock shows 9h49
